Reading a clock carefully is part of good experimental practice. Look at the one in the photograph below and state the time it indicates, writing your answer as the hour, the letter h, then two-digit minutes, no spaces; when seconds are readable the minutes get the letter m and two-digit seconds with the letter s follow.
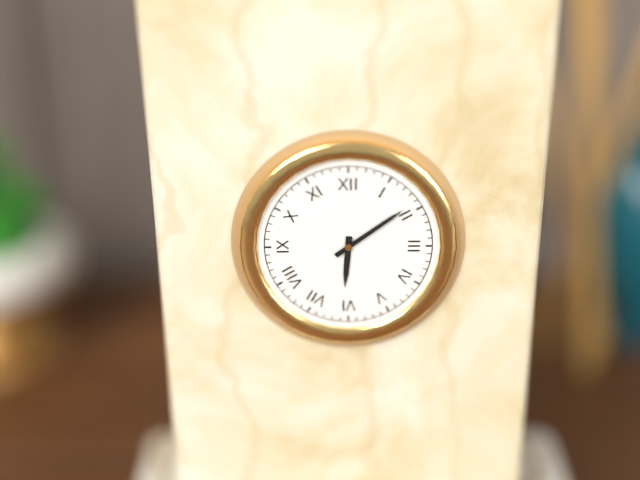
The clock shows 6h09
